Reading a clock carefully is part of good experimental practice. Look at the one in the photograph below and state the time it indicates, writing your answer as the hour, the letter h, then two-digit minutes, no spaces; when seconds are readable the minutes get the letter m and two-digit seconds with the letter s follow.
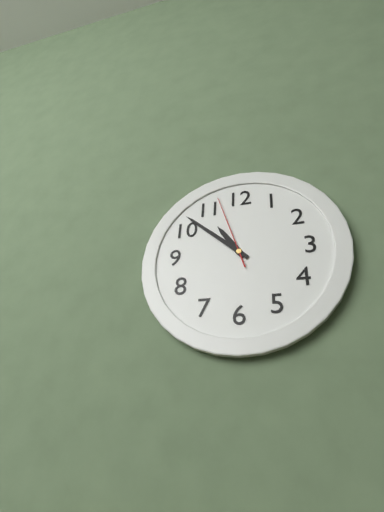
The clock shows 10h52m57s
